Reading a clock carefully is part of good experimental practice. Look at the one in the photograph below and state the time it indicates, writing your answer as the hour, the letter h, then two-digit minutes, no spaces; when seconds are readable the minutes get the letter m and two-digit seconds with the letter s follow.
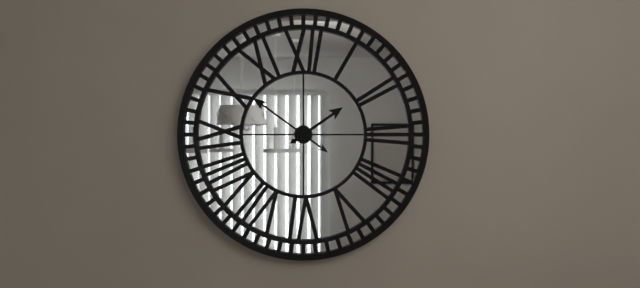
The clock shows 1h51
